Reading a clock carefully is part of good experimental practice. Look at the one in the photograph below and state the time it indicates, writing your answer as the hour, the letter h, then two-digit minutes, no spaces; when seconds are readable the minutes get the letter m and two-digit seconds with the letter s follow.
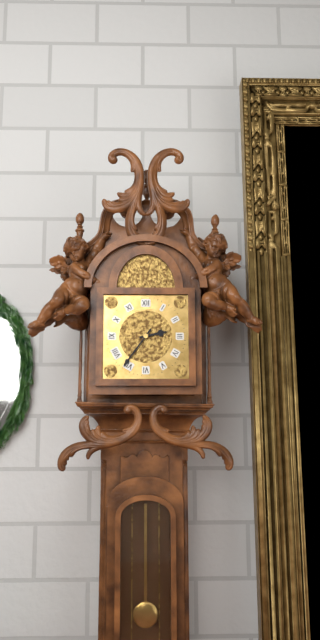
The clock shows 2h36
